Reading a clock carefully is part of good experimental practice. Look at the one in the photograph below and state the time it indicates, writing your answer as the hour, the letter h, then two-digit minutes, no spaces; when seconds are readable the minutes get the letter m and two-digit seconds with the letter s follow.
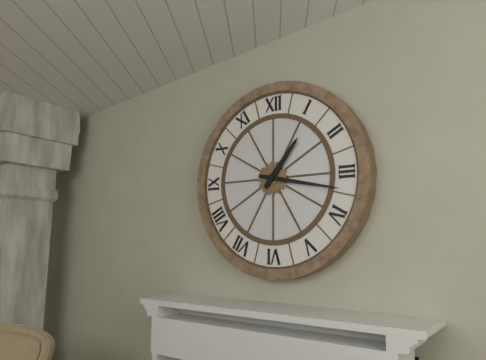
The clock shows 1h17
